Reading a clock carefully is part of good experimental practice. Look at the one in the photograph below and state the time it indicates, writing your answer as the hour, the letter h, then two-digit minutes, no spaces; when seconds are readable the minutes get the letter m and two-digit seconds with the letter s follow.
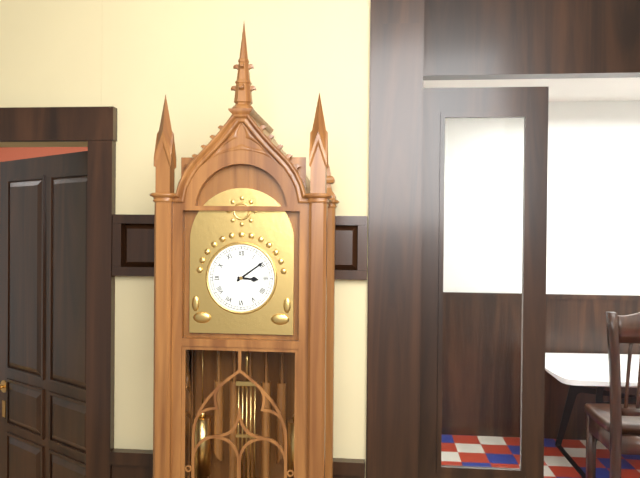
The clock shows 3h09
